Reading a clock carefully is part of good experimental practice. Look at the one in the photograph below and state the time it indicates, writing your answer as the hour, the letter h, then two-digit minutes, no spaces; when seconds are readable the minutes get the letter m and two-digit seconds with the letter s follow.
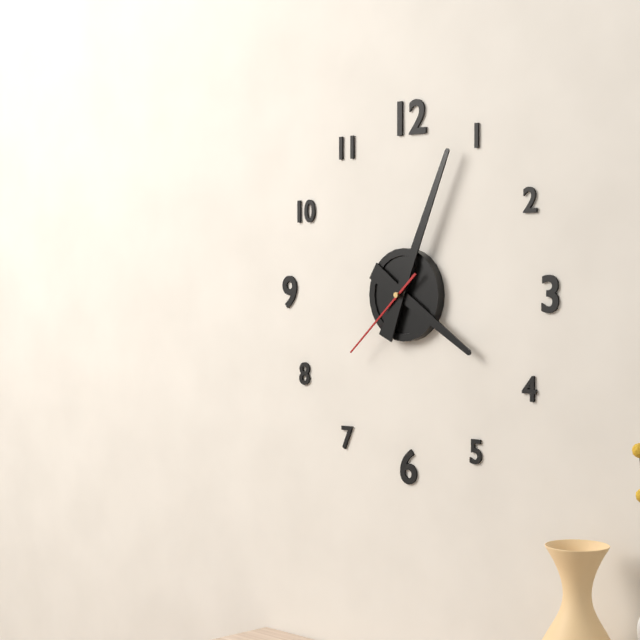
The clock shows 4h04m38s
